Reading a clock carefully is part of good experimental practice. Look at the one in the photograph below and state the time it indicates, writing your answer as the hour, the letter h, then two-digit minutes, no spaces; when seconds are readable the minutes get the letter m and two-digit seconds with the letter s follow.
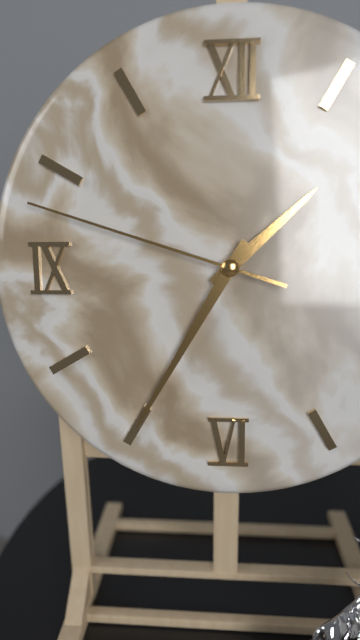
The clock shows 1h35m48s
